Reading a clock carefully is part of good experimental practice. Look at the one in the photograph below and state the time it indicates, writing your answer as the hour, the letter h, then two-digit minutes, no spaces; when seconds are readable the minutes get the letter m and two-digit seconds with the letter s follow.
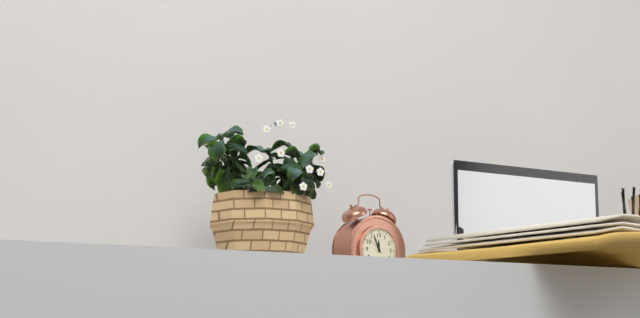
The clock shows 11h56
